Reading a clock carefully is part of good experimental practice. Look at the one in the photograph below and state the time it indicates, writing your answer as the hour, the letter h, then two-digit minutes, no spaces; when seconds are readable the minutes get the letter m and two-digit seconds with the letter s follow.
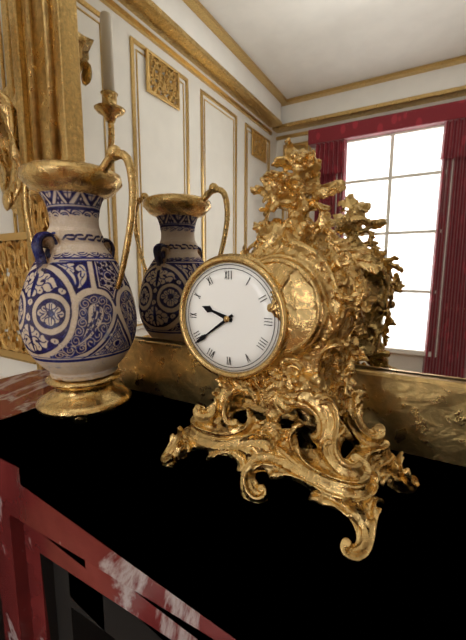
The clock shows 9h39
